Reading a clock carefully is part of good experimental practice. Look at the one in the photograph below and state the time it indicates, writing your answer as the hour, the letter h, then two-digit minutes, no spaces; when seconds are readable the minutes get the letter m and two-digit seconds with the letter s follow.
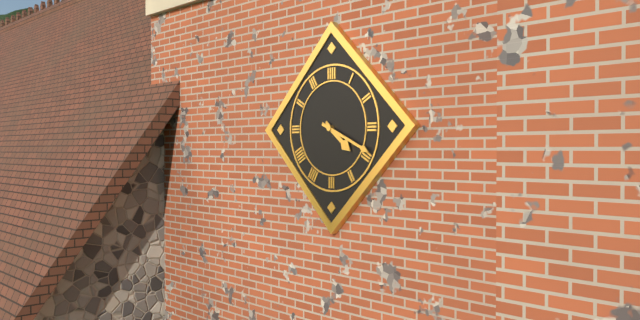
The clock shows 4h19
